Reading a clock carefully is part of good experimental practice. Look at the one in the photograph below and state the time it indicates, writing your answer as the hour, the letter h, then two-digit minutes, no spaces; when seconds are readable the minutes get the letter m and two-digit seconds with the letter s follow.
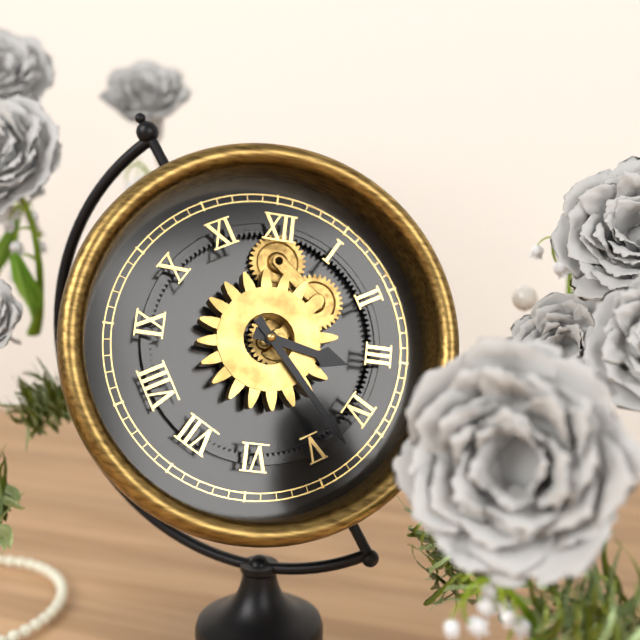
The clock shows 3h23
